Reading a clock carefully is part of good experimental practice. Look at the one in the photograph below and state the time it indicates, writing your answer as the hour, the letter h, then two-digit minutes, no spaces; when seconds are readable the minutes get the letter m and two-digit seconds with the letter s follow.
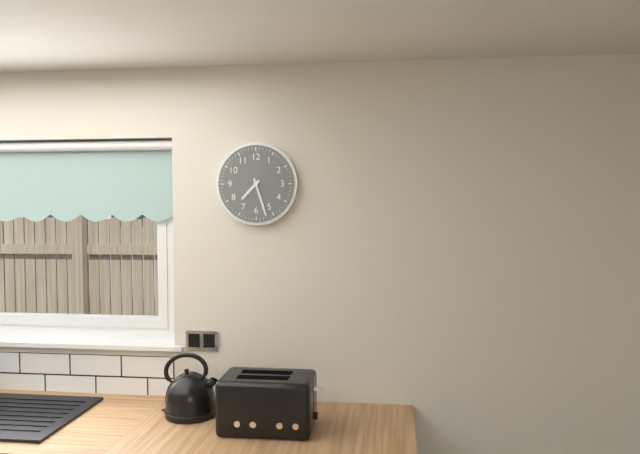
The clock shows 7h27
